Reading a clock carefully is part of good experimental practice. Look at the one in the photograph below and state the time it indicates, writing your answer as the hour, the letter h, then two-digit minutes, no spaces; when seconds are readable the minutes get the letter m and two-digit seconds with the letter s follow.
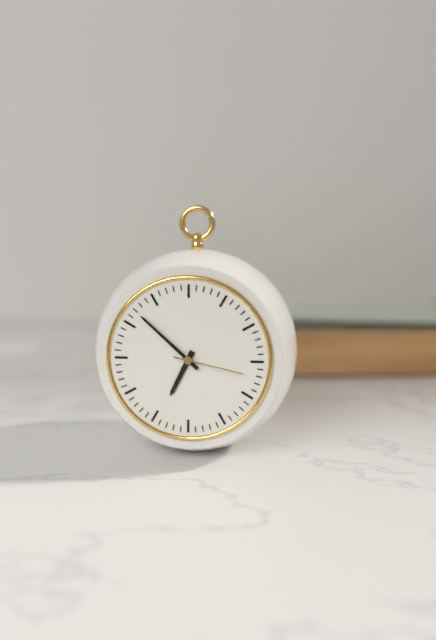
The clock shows 6h52m17s
